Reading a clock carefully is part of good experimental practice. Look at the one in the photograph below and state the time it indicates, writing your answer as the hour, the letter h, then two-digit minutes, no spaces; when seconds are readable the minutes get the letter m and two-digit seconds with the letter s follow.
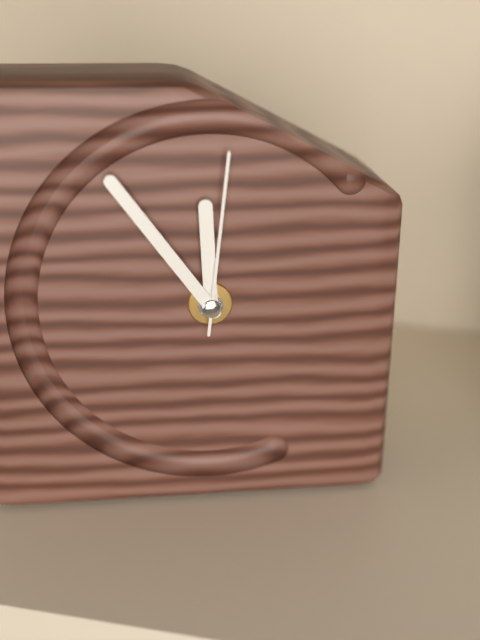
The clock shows 11h54m01s
